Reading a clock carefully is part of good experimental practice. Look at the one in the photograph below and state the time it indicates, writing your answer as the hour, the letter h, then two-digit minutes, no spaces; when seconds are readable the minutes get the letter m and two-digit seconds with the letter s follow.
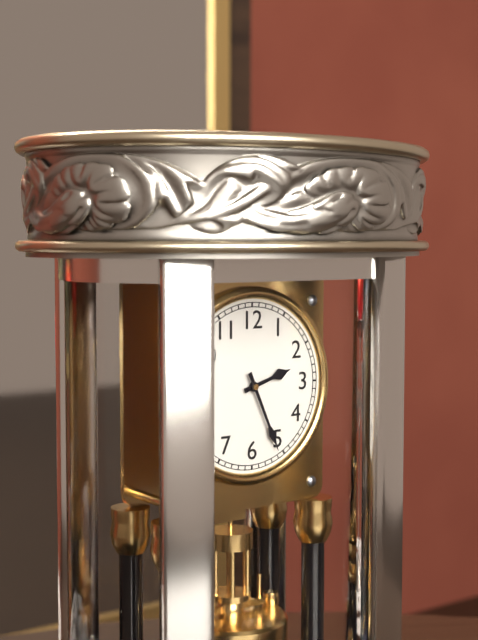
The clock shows 2h26
